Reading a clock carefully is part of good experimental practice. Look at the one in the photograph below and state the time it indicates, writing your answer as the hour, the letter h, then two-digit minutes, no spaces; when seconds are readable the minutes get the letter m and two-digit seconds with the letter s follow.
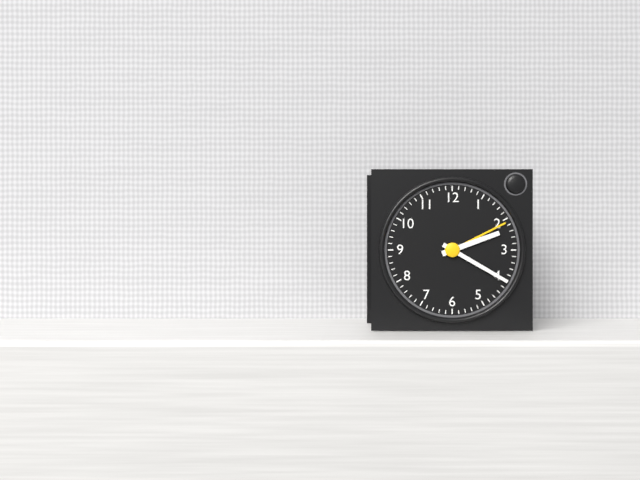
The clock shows 2h20
